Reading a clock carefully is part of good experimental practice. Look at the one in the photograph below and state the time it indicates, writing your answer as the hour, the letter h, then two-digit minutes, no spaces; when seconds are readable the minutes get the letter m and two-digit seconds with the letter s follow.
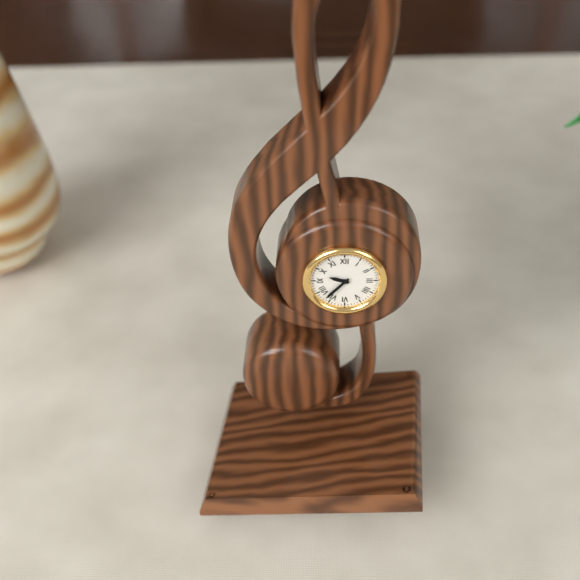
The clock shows 9h37
